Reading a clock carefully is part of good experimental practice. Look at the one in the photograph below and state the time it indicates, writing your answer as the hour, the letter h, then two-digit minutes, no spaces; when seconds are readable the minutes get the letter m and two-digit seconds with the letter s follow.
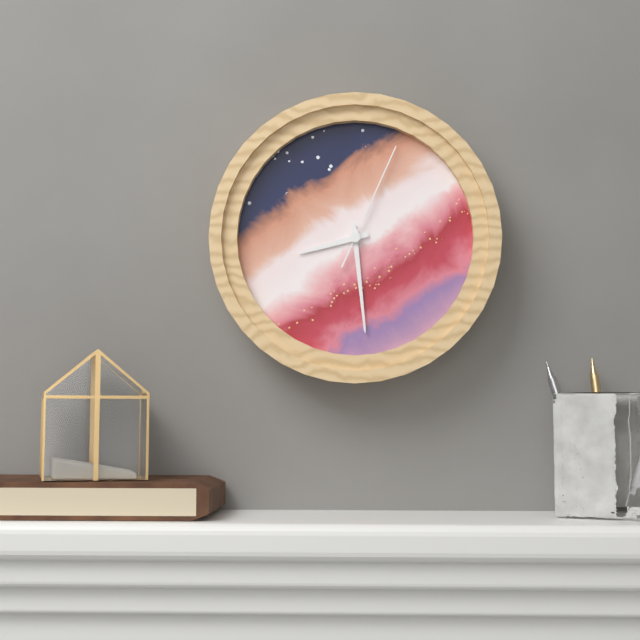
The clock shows 8h29m04s
